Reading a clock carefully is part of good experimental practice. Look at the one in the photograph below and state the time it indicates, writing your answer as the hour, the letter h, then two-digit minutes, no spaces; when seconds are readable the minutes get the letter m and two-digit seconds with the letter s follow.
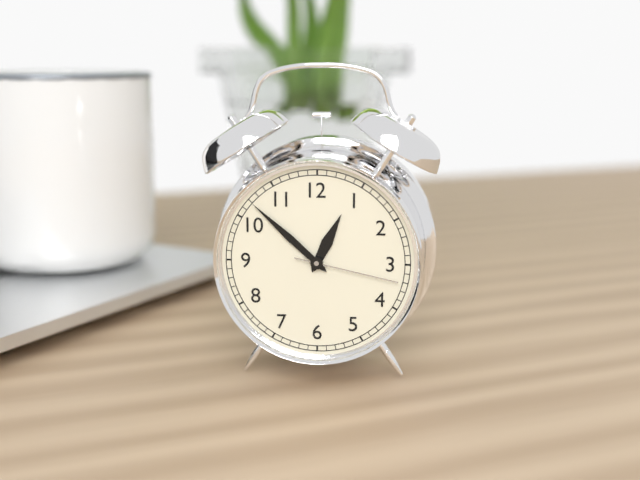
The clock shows 12h52m17s
